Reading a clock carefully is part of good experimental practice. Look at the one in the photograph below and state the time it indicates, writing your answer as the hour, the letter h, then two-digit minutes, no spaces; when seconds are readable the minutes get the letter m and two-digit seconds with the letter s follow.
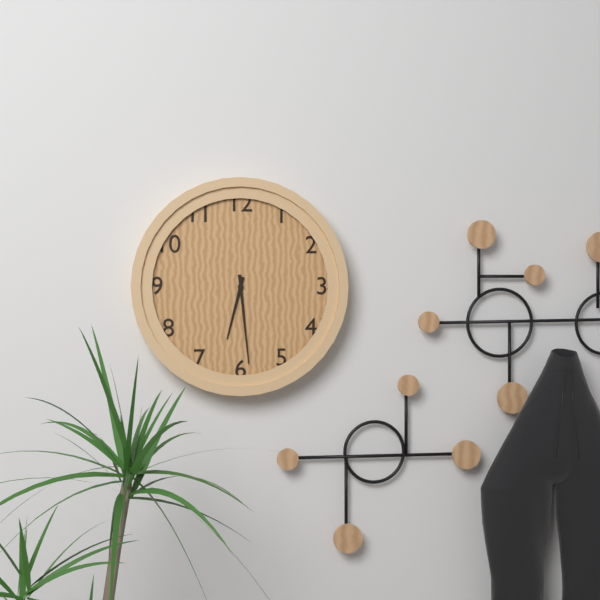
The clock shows 6h29
